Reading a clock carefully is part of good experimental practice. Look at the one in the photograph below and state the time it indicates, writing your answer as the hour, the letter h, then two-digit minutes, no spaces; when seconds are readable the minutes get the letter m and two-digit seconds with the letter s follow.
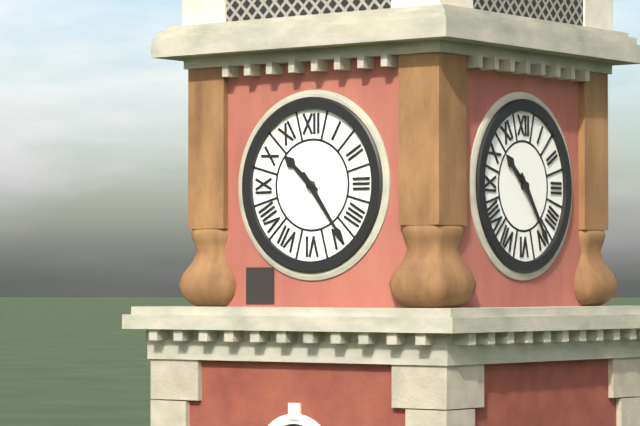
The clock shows 10h24
